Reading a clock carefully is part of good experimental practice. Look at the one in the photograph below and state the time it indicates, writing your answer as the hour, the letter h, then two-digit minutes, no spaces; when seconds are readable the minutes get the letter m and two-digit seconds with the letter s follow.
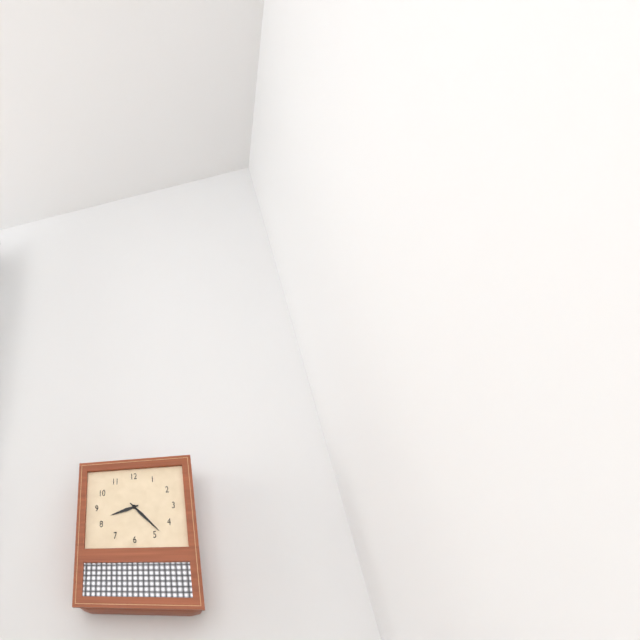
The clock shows 8h23
